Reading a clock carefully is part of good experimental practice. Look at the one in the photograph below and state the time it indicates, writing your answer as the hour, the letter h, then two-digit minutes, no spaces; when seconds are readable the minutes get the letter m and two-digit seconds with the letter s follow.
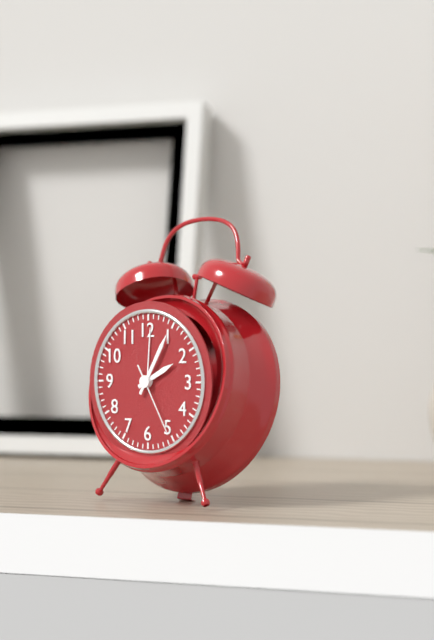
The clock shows 2h05m25s
